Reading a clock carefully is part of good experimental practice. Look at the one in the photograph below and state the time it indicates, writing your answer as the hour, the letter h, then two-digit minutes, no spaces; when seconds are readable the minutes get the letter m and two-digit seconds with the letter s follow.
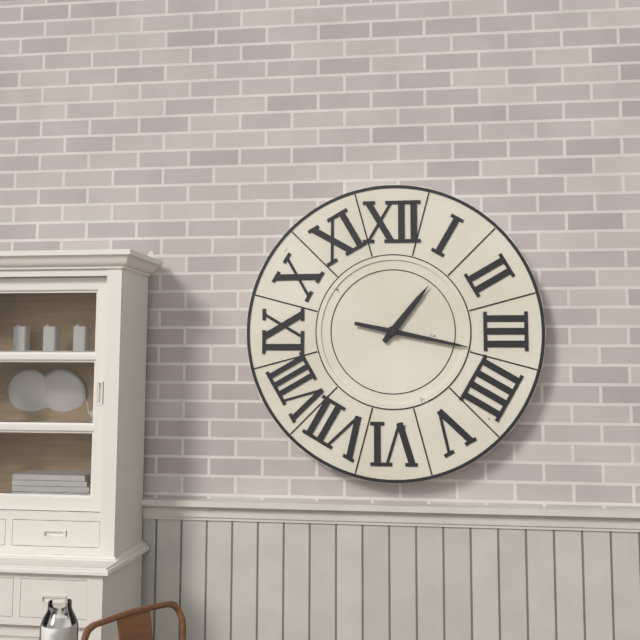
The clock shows 1h17
